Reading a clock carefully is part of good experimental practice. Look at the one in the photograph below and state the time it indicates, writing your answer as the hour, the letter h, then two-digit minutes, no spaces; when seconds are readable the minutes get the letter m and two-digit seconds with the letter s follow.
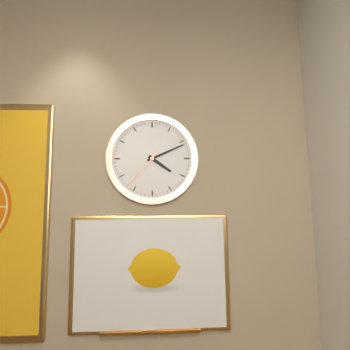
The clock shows 4h11
